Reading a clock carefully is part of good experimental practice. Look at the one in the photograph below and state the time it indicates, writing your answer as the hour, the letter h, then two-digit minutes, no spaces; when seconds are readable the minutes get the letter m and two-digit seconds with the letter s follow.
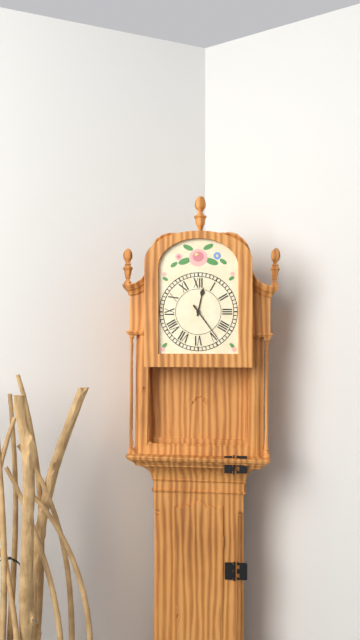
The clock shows 12h24
